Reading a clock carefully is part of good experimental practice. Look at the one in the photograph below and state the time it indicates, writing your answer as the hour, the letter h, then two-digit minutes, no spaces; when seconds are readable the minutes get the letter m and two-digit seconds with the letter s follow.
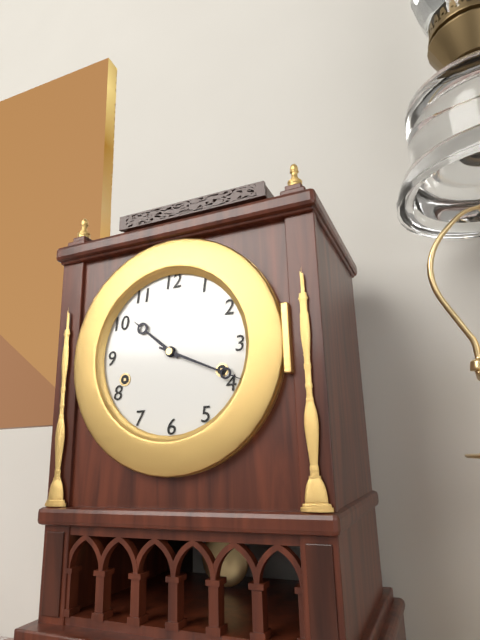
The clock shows 10h19
